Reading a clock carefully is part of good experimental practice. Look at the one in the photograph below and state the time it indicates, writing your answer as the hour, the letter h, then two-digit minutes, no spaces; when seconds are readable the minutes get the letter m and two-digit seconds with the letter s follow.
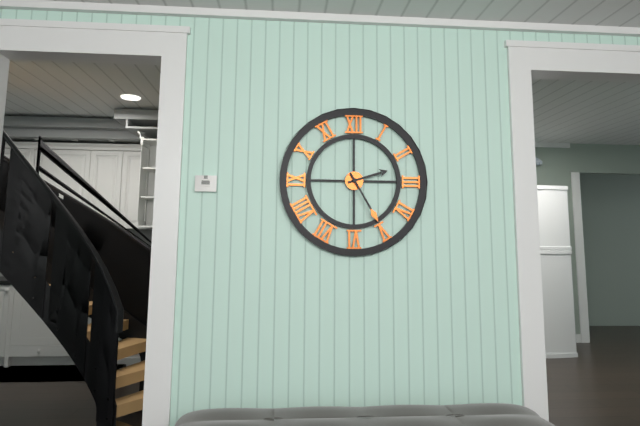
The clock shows 2h25
